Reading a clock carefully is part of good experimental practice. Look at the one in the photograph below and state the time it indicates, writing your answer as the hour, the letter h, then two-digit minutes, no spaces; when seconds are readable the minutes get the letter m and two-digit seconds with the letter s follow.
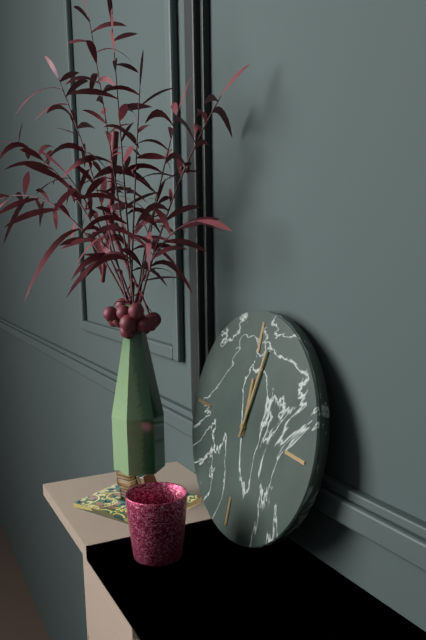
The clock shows 12h02
